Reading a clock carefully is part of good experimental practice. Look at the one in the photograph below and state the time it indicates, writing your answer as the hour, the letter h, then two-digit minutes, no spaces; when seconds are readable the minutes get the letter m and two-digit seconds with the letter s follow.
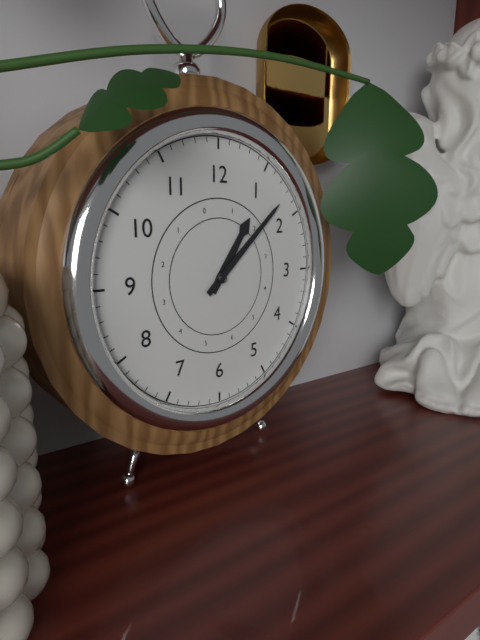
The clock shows 1h08
